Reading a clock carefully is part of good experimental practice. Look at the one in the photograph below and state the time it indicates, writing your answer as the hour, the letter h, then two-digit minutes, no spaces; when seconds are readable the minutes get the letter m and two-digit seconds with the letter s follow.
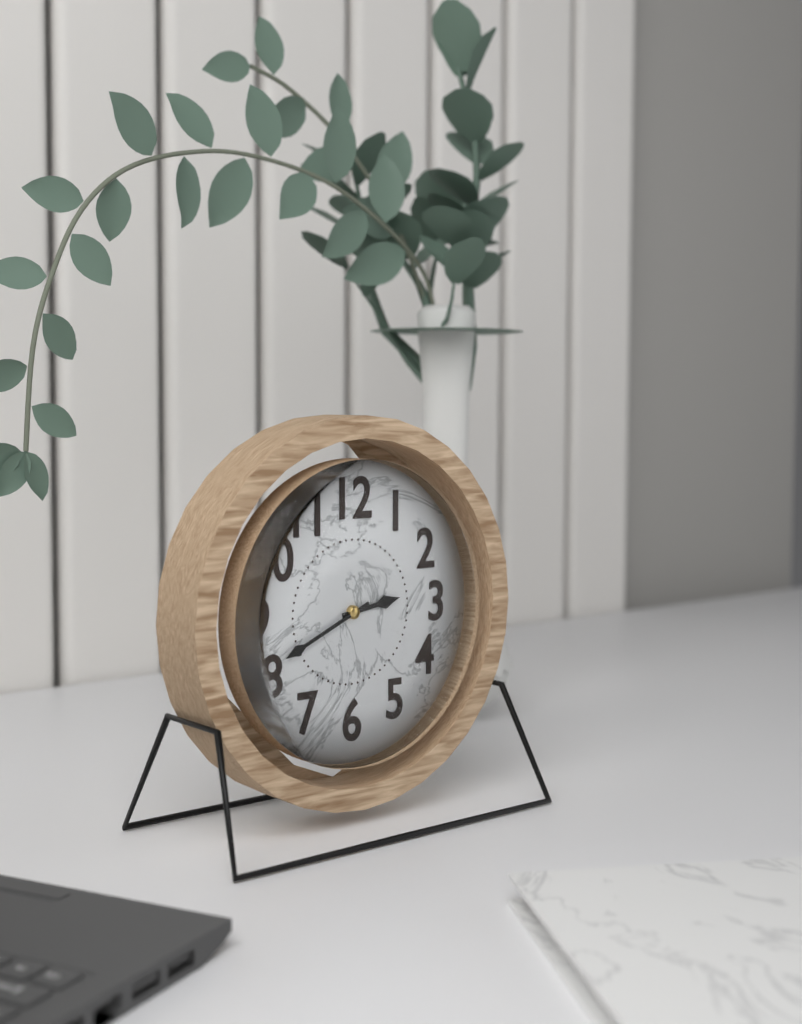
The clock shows 2h41
